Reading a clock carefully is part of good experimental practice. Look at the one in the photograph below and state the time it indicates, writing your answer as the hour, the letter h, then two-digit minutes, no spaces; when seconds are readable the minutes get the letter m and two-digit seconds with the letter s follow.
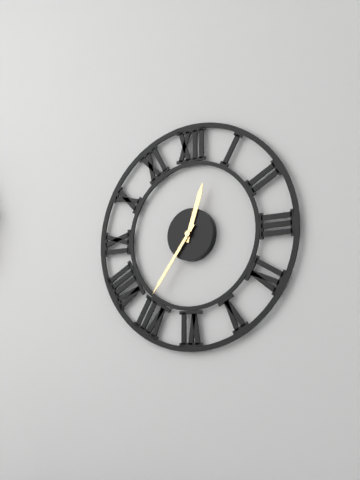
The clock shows 12h36
